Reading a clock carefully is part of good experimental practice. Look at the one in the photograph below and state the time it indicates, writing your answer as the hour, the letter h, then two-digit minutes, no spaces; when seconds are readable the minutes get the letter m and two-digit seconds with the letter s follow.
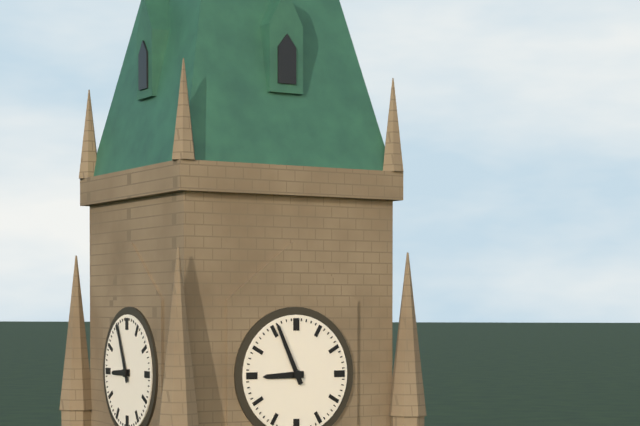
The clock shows 8h56
